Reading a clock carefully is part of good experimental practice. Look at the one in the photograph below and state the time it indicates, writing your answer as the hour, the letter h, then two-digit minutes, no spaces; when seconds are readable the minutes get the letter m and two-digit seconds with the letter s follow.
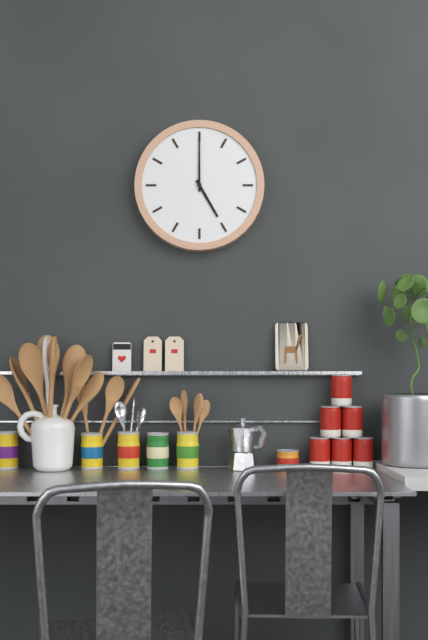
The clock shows 5h00
